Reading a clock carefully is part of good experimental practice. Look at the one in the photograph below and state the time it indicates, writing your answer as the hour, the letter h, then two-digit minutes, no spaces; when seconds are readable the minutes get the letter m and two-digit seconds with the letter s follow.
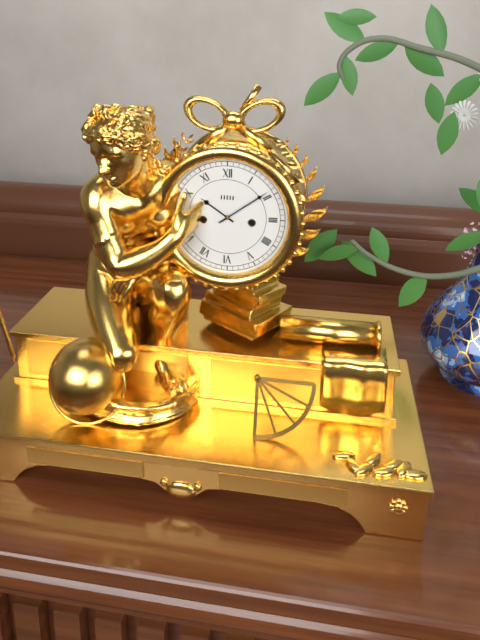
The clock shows 10h09
